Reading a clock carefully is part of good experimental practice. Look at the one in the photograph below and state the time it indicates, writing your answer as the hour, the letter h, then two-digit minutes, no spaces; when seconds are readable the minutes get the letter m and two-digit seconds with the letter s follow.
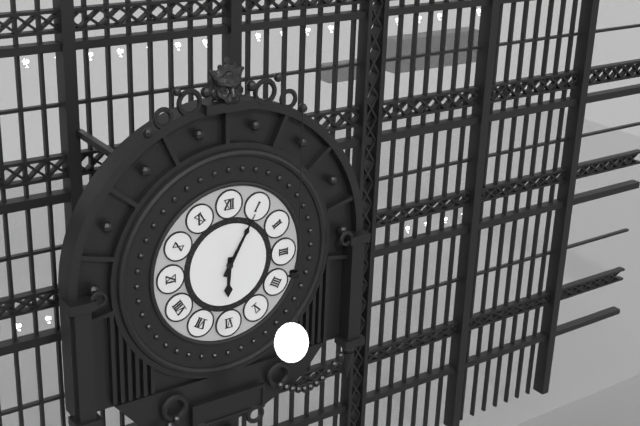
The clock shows 6h05
